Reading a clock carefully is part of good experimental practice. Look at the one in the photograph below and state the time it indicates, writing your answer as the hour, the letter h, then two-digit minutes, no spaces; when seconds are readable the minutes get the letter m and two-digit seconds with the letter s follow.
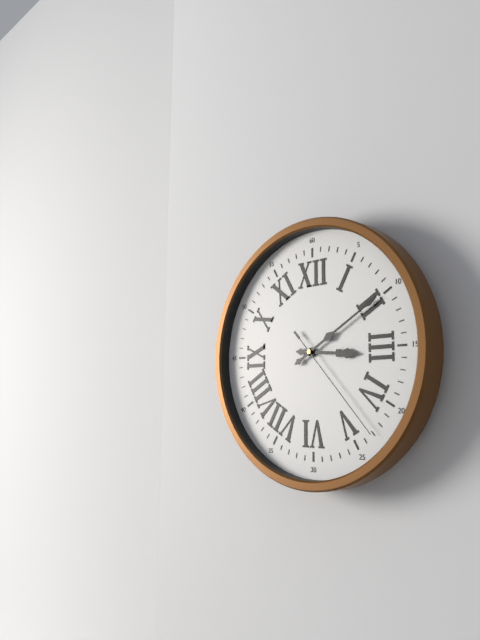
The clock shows 3h10m23s
